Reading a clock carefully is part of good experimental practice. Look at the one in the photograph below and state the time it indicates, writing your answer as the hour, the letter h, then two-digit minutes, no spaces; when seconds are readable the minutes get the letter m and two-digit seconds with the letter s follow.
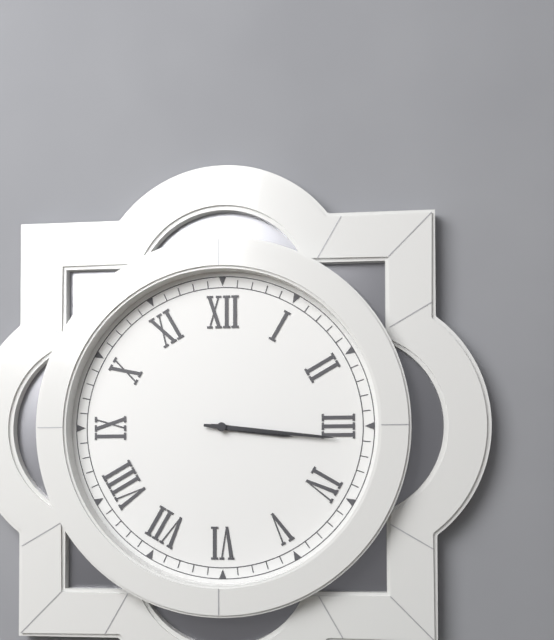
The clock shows 3h16
